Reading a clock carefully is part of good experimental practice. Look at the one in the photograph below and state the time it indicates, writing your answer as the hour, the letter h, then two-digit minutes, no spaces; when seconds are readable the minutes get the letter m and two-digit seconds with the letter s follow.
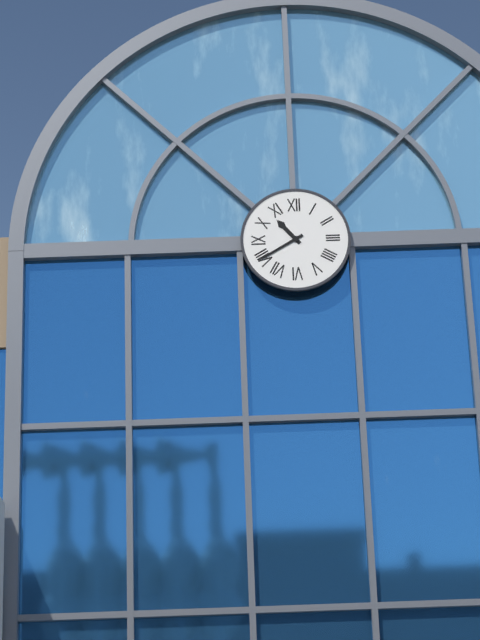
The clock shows 10h40
